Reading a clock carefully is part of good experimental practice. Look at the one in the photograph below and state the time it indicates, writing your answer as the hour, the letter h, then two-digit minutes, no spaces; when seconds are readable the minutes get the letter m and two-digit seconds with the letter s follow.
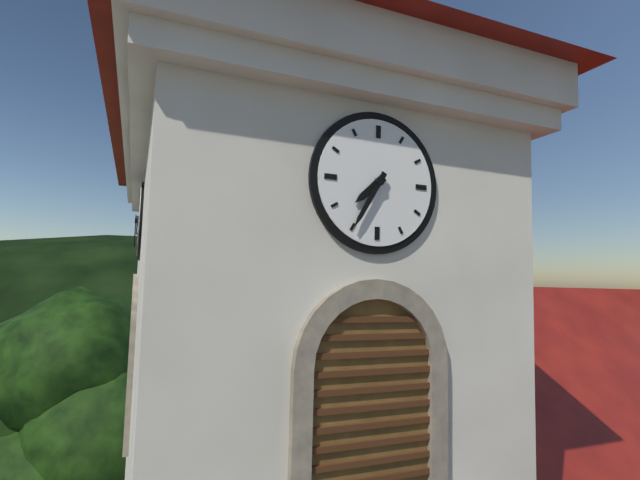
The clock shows 7h35
